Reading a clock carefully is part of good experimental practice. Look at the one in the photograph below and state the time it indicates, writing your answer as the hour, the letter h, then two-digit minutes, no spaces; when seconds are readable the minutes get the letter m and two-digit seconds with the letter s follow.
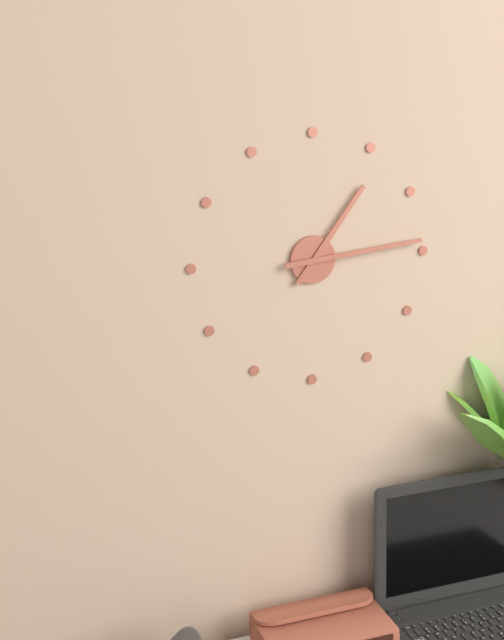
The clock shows 1h14
